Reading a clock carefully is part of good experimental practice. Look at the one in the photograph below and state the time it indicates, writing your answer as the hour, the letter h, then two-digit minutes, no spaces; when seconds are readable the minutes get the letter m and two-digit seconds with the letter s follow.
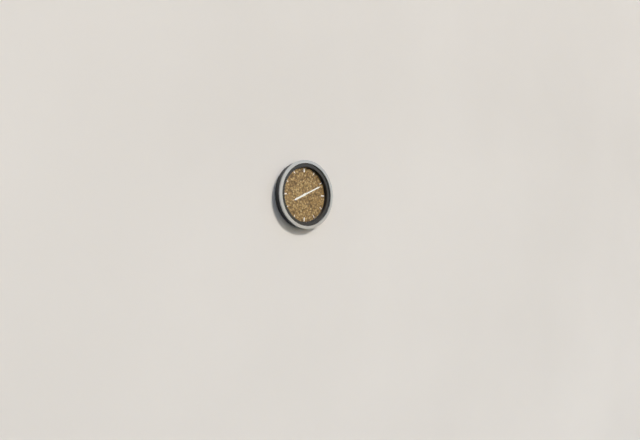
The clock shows 8h11
